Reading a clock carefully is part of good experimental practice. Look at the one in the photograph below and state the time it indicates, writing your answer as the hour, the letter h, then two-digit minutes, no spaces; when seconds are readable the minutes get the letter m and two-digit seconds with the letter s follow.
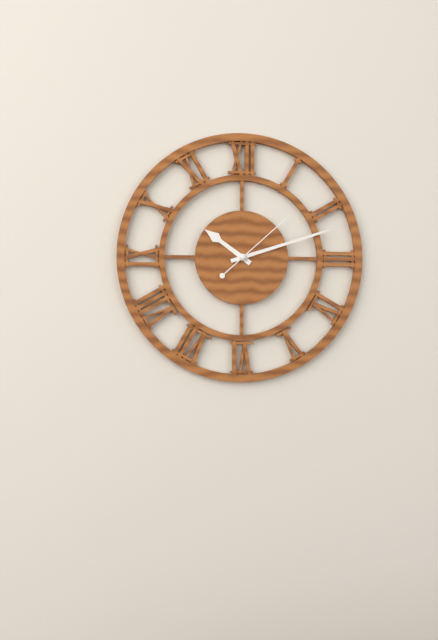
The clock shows 10h12m08s
